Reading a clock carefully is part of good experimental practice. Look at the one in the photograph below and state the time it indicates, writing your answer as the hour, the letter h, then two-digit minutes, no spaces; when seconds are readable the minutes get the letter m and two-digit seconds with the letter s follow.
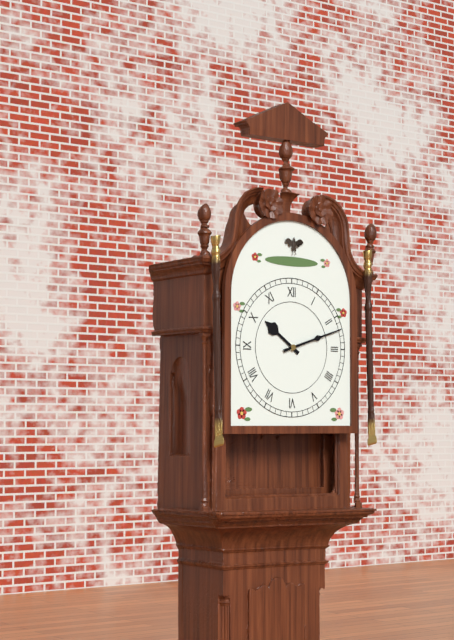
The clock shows 10h12
